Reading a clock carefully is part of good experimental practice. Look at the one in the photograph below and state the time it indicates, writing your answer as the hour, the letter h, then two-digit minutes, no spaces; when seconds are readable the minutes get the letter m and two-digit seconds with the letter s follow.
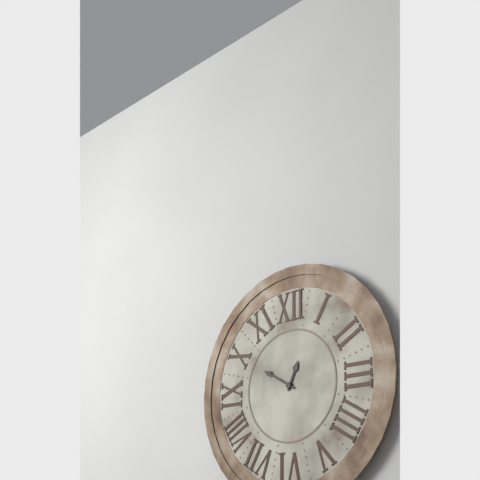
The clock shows 12h50
